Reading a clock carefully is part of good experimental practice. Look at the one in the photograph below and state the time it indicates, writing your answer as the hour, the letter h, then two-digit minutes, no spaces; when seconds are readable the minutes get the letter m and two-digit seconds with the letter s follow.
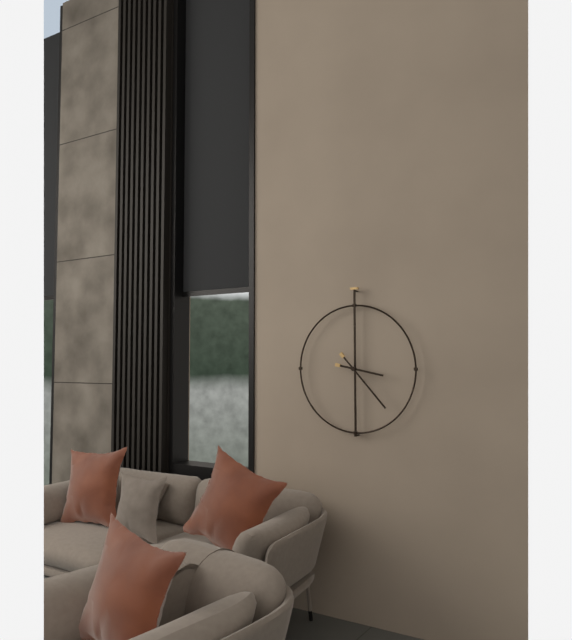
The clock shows 3h23
